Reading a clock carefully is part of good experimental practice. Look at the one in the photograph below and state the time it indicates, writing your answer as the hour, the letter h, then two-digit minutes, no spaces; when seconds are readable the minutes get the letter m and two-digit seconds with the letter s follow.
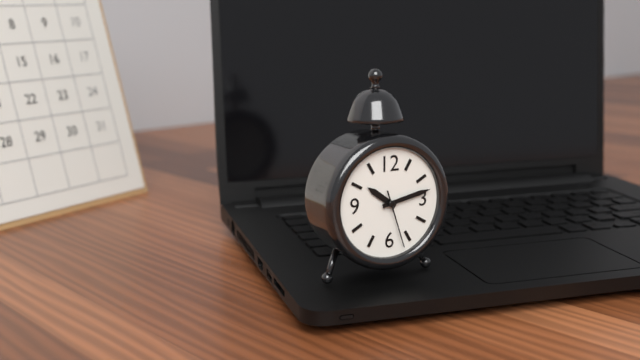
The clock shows 10h13m27s
